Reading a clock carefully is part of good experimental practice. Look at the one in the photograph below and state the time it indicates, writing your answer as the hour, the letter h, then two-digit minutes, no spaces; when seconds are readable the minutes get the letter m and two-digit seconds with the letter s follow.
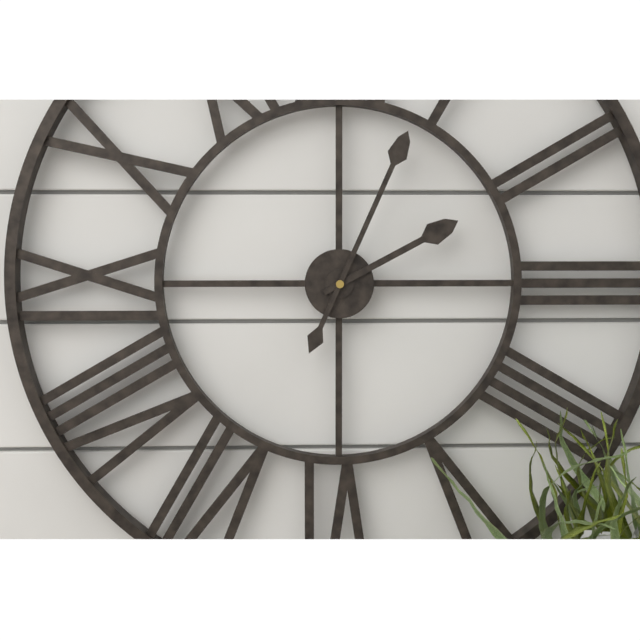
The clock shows 2h04
